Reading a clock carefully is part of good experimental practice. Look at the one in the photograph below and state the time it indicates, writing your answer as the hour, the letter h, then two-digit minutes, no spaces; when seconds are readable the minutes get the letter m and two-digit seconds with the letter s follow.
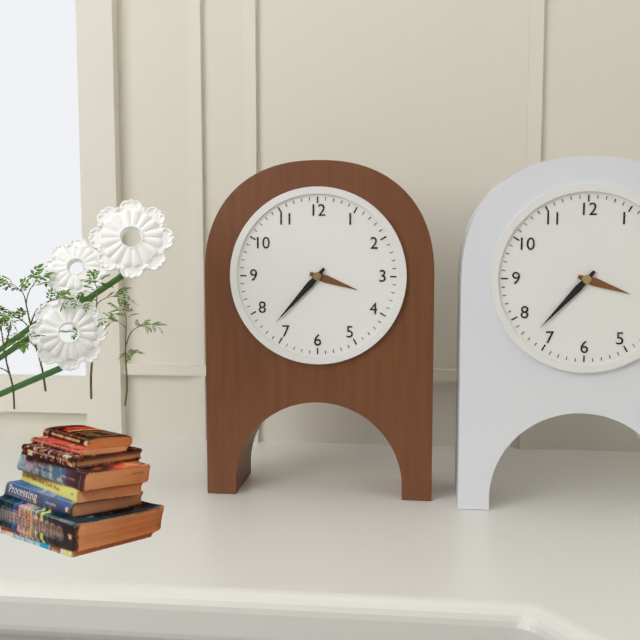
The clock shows 3h37
